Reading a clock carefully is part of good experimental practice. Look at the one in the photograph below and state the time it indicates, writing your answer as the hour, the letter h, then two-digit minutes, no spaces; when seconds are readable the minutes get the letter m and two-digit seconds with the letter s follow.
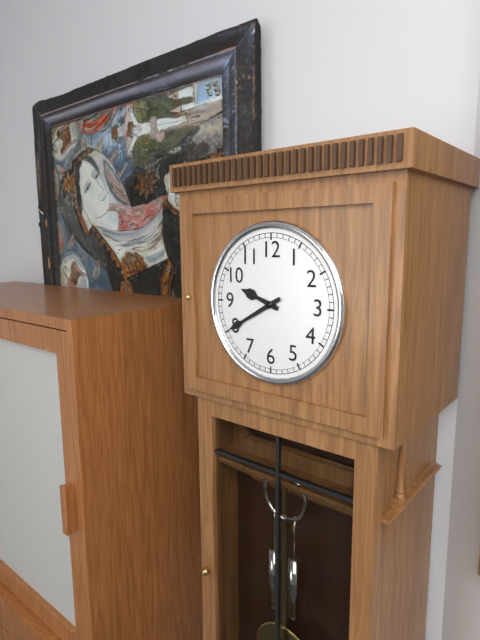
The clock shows 9h40
